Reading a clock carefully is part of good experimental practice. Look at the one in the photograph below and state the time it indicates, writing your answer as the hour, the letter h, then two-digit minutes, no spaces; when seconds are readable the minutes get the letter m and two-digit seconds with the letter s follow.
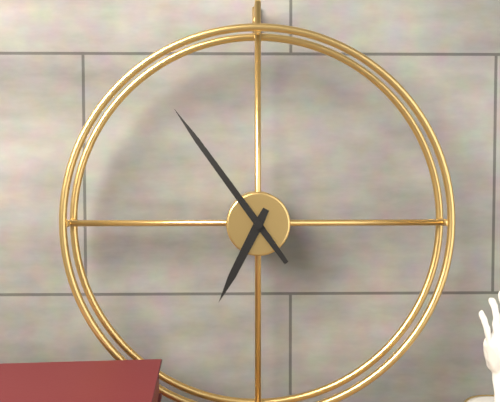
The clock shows 6h54
